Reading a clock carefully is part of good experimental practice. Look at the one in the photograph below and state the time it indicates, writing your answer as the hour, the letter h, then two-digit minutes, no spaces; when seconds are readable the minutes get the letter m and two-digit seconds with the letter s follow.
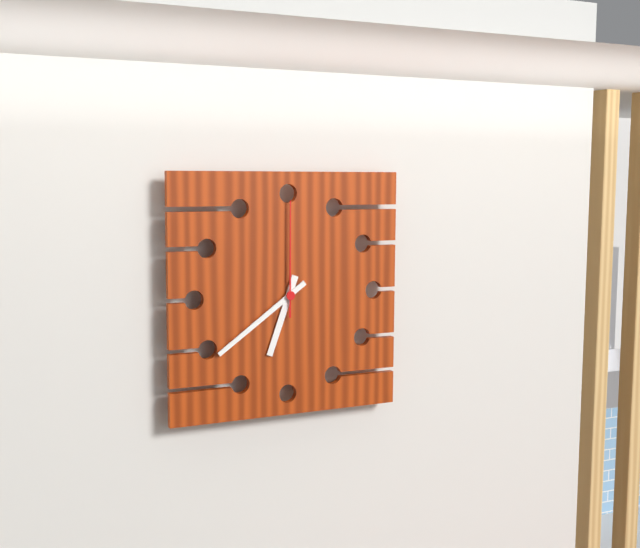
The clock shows 6h39m00s
